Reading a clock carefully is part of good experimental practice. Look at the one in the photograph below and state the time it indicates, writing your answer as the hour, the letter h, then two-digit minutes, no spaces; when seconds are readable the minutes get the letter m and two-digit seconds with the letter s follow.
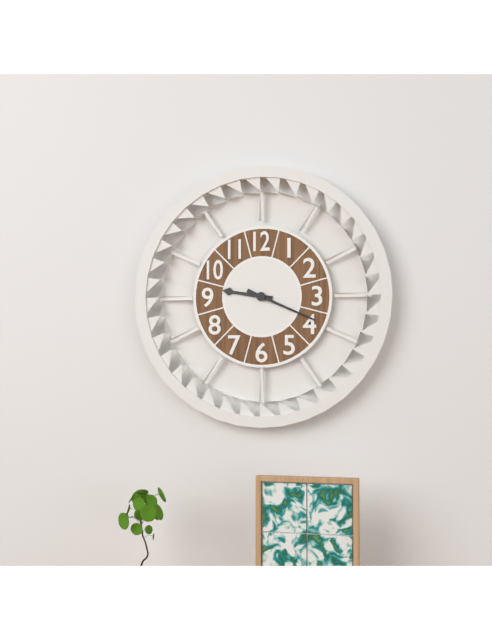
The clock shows 9h19
